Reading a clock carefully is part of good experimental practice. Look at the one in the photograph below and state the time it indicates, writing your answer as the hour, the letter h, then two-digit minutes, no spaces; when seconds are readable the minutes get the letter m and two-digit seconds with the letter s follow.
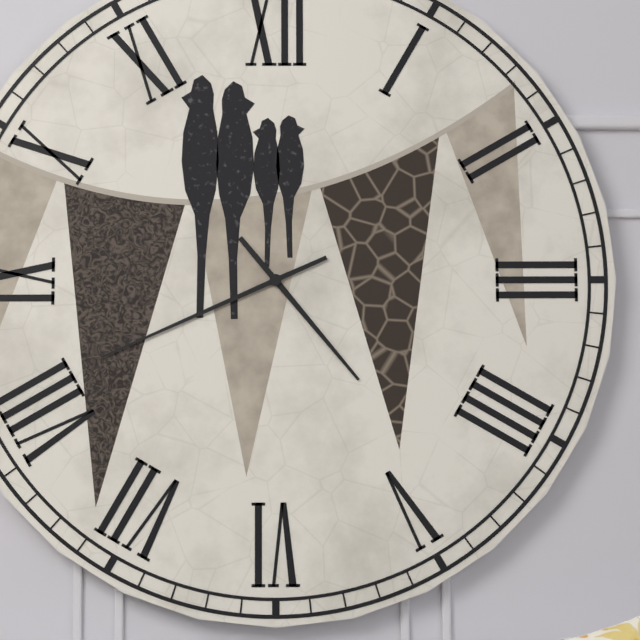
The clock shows 4h41
